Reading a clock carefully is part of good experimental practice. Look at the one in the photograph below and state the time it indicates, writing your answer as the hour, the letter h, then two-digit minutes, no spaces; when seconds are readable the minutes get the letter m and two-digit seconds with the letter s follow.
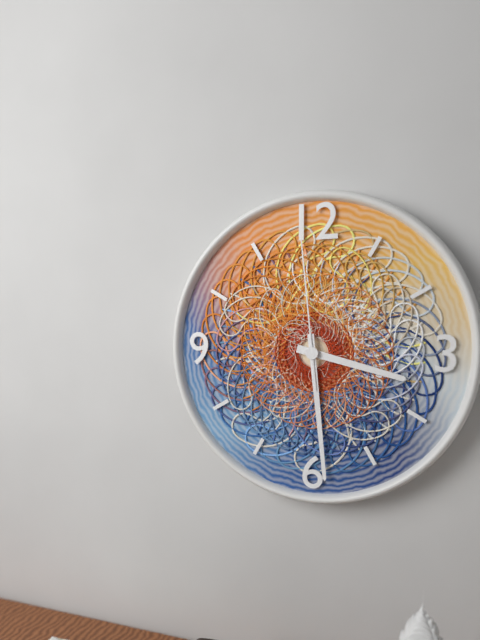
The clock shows 3h29m59s
